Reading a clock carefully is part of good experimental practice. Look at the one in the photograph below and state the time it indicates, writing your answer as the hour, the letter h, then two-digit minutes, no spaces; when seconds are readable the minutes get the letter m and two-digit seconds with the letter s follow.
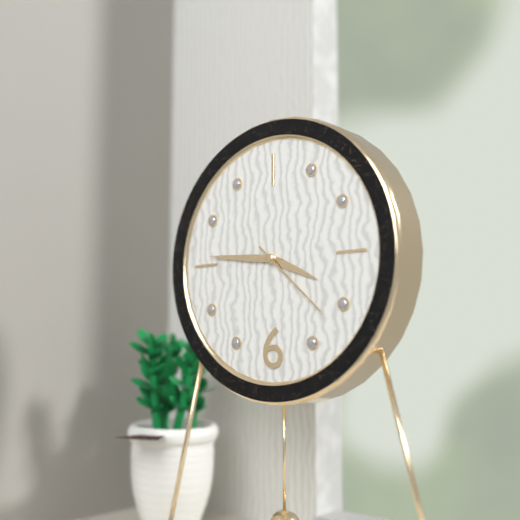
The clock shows 3h46m22s
